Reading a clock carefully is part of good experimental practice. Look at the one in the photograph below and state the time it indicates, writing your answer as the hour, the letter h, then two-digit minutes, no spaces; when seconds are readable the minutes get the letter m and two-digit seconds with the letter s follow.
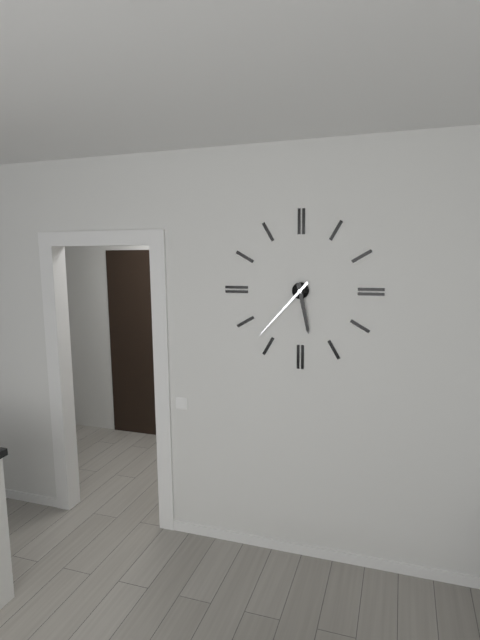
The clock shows 5h37
